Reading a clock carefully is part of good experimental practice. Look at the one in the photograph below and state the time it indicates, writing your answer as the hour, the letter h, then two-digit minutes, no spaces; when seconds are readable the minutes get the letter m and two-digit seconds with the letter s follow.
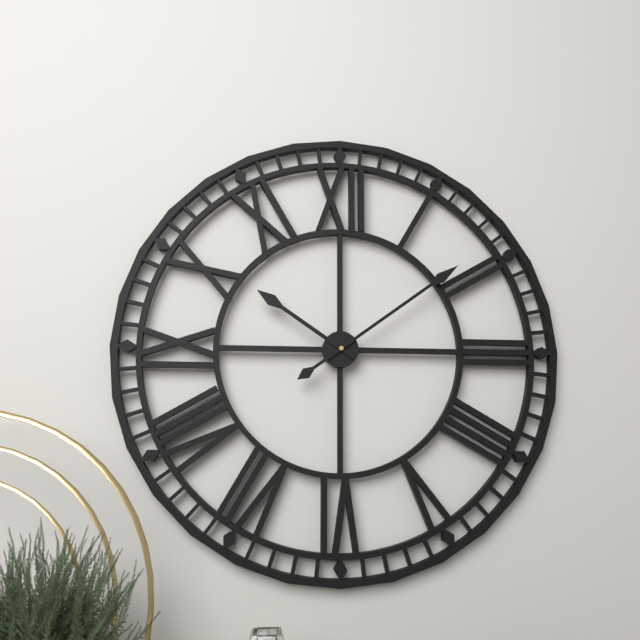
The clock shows 10h09
